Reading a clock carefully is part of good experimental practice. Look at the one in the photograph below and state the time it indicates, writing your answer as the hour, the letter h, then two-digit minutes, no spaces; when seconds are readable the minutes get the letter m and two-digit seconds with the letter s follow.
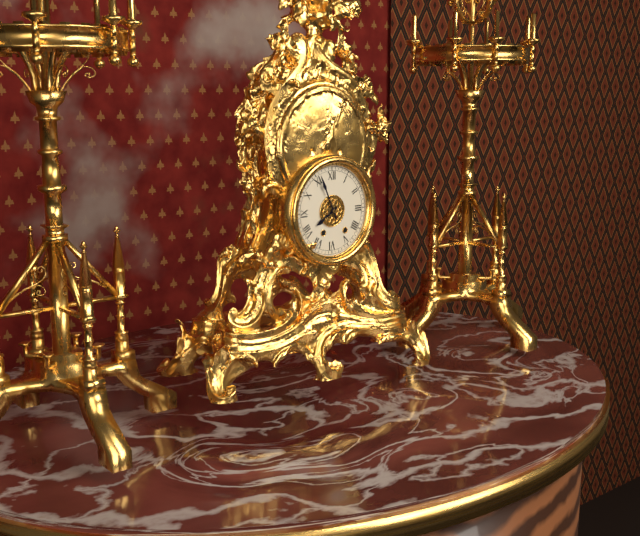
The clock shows 7h56
